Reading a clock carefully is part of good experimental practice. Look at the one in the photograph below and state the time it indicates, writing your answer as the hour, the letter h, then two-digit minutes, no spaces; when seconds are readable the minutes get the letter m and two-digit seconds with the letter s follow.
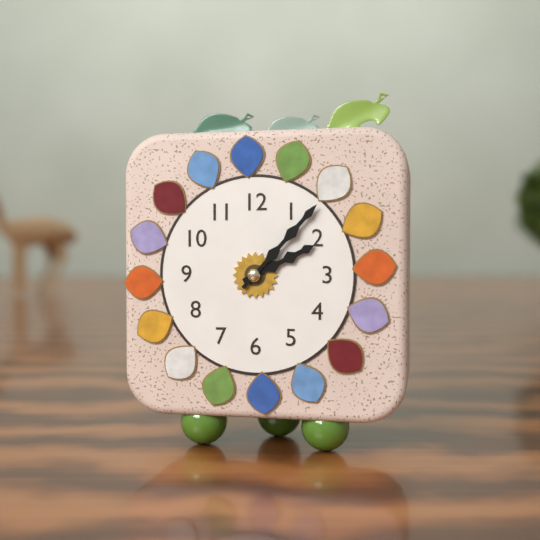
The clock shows 2h07
